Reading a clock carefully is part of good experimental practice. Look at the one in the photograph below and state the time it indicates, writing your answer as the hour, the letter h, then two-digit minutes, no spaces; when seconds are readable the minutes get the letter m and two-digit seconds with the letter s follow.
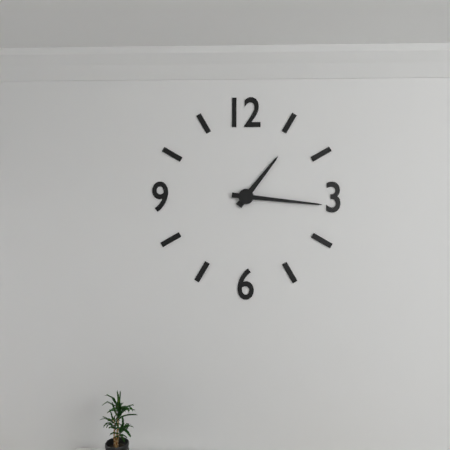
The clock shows 1h16
